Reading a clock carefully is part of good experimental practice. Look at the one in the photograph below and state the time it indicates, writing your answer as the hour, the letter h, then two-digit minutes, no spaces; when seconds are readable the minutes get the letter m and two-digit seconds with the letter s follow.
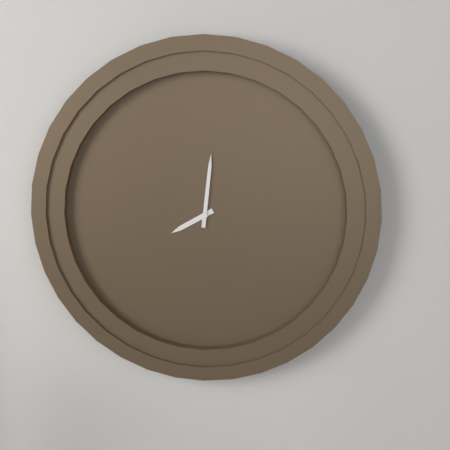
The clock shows 8h01
